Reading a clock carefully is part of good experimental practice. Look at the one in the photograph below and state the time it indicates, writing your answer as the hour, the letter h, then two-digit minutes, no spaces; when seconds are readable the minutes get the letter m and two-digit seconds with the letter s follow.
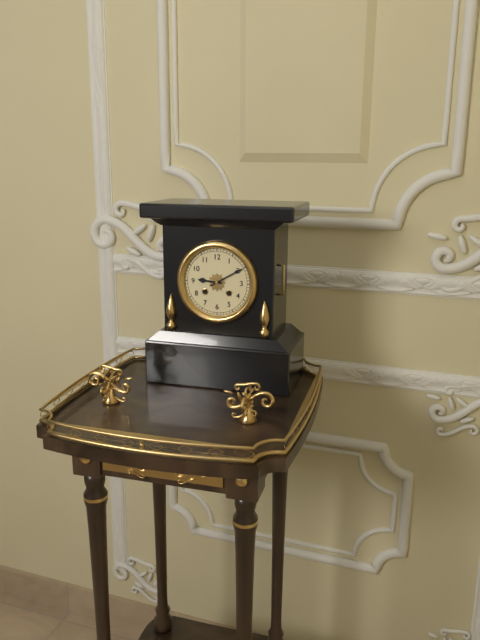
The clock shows 9h10
